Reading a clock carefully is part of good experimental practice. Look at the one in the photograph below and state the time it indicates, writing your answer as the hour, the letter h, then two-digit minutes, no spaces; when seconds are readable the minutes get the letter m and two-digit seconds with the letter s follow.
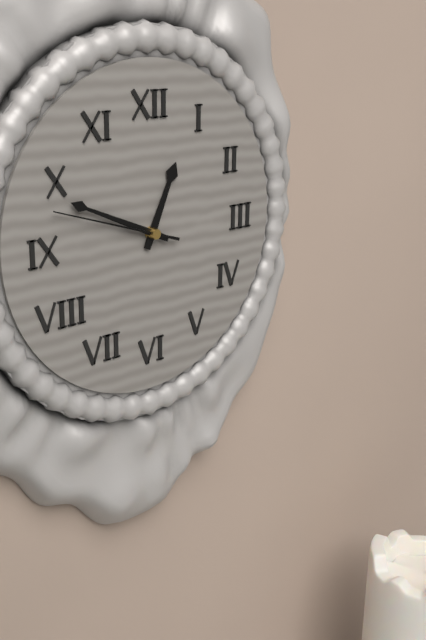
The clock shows 12h49m48s
